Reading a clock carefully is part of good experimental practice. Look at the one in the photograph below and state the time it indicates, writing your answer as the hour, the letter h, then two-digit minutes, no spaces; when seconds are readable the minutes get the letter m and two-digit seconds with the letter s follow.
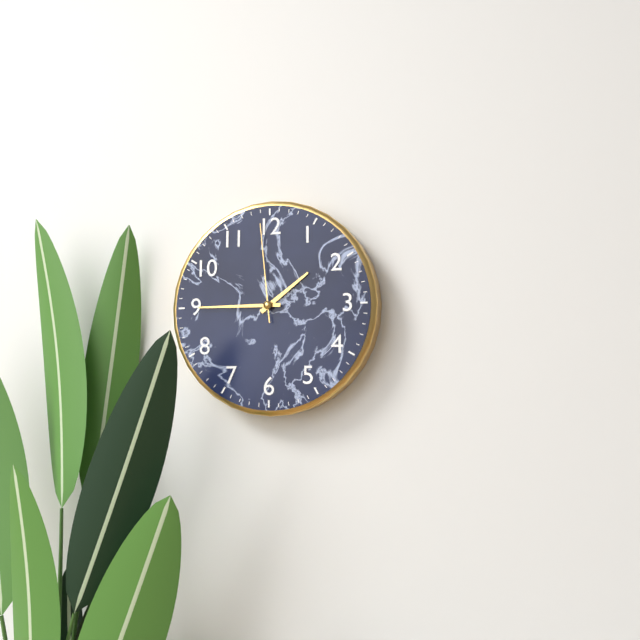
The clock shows 1h45m59s
